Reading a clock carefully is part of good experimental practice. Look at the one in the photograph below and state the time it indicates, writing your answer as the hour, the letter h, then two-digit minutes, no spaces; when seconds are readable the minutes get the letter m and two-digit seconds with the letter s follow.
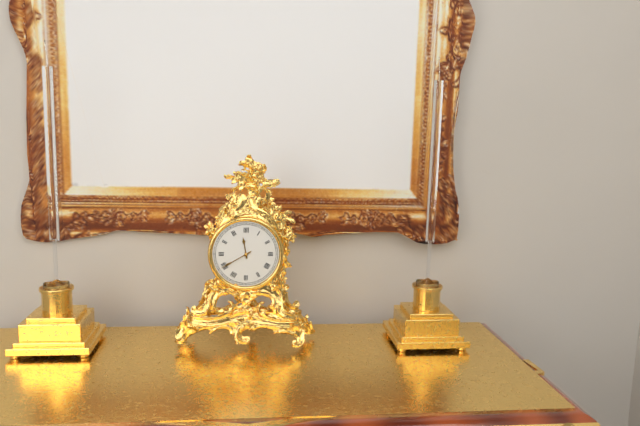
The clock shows 11h40
